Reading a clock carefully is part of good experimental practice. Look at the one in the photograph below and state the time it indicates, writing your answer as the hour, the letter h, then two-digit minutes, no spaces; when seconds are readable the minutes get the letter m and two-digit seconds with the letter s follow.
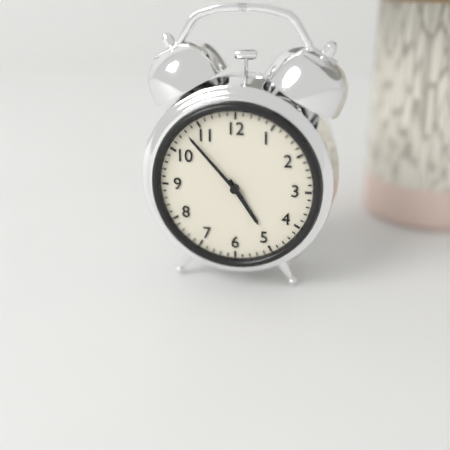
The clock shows 4h53
